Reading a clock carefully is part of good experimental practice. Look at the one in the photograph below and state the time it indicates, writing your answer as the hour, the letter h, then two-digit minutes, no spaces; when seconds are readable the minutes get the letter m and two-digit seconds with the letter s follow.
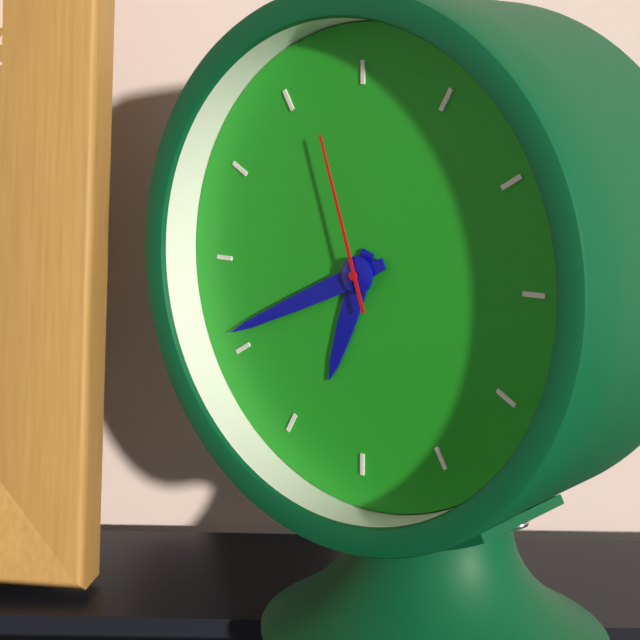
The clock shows 6h41m57s
